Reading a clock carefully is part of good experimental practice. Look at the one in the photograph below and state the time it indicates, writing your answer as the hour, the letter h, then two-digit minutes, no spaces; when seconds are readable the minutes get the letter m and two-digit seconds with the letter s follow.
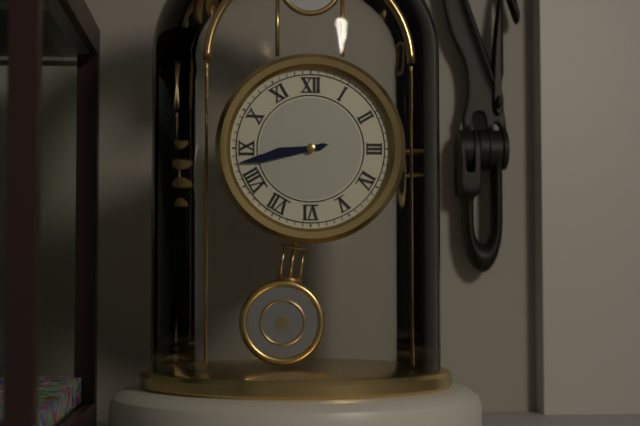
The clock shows 8h43
